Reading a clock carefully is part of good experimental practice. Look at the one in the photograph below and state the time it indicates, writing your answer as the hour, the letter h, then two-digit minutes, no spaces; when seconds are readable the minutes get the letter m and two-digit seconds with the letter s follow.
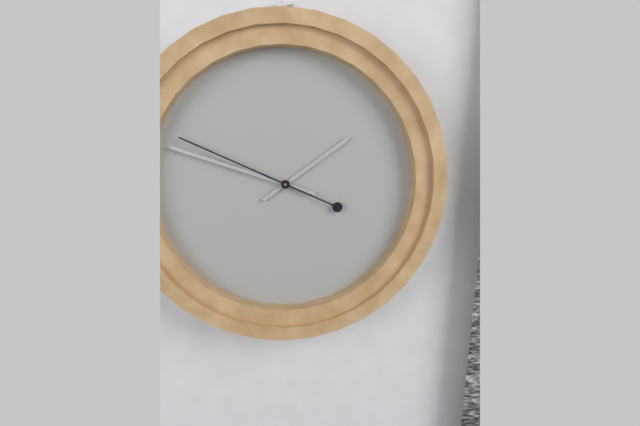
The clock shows 1h48m49s
